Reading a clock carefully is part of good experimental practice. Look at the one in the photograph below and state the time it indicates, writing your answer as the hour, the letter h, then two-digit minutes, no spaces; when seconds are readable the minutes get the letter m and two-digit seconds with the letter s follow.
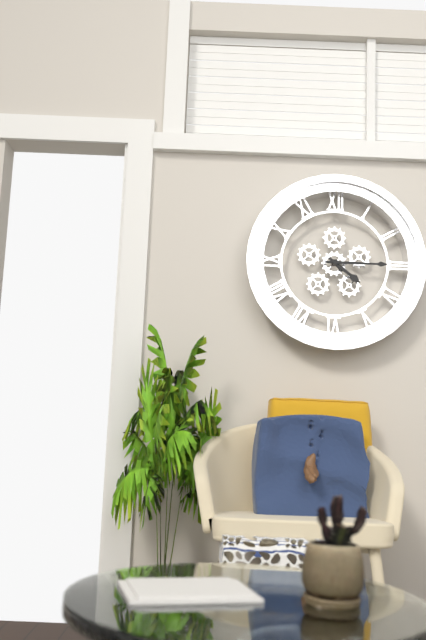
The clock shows 4h15
